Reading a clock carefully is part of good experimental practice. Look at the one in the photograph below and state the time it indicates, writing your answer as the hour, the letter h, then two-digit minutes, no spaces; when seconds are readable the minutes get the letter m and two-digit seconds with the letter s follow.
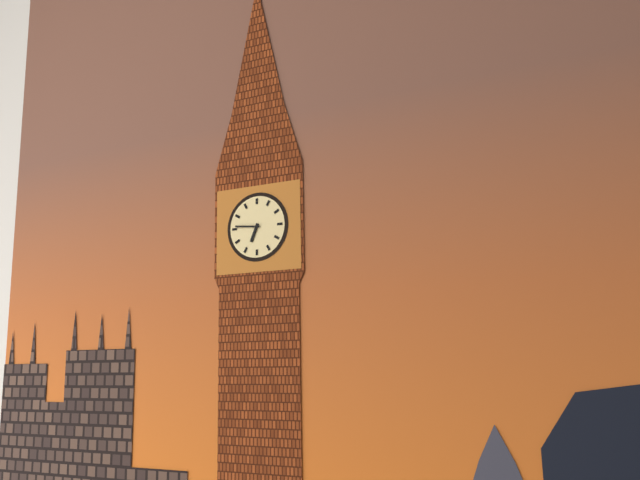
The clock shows 6h46
